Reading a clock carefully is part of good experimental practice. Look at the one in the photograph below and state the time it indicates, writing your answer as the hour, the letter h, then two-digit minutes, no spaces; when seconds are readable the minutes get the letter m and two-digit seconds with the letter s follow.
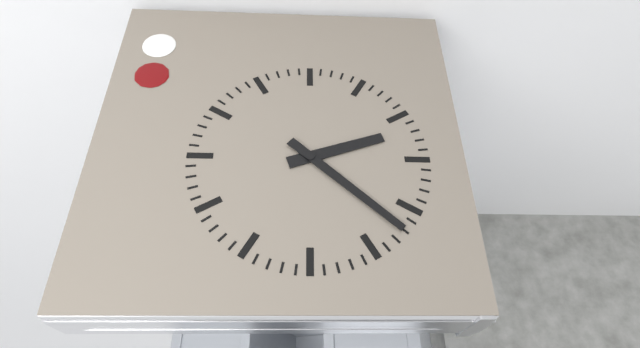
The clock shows 2h22
